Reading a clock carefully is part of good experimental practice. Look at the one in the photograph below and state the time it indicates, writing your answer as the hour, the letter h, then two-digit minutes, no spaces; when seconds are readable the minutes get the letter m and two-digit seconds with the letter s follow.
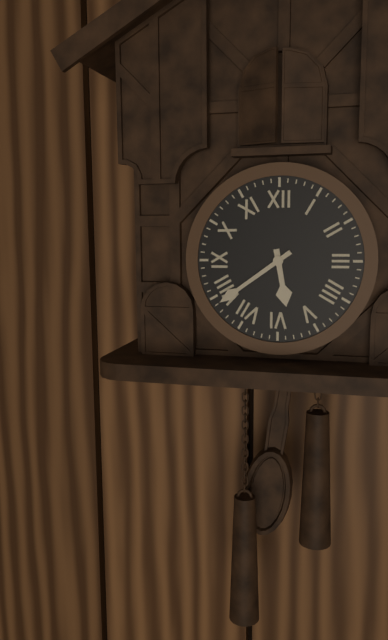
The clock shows 5h39
